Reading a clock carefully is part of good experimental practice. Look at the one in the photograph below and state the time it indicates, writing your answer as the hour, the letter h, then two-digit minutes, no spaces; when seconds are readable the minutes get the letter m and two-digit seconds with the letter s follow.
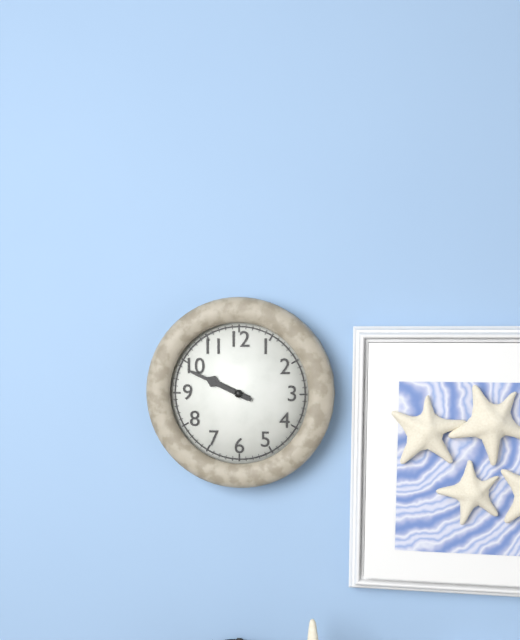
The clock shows 9h49
